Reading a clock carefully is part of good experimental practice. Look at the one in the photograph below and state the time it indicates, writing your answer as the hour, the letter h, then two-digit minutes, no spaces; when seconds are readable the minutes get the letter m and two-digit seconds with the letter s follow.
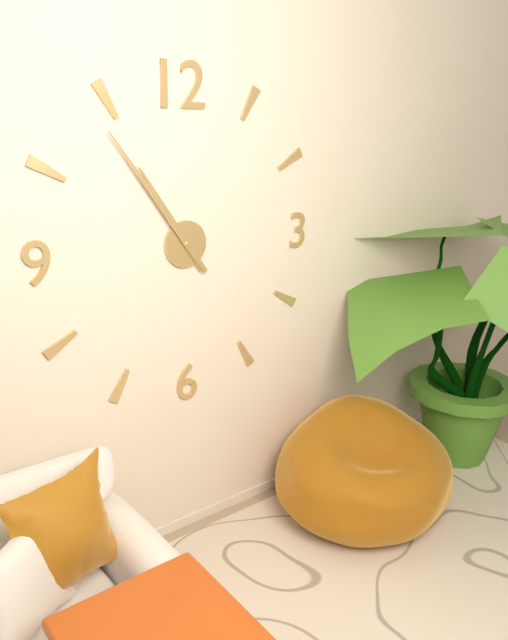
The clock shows 10h54
